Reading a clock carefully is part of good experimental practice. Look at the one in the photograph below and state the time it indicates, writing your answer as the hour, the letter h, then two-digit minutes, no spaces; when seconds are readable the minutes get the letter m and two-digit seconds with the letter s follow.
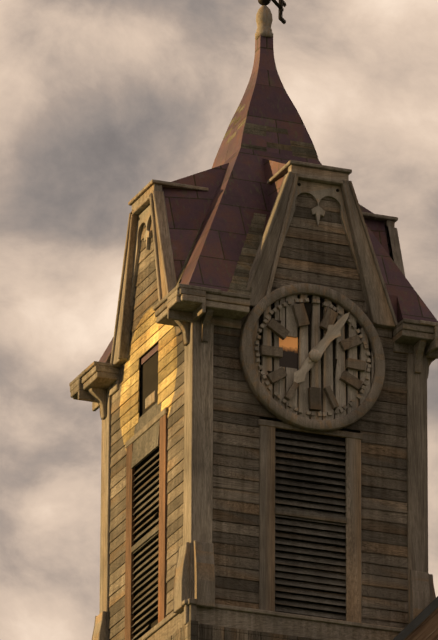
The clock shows 7h06
